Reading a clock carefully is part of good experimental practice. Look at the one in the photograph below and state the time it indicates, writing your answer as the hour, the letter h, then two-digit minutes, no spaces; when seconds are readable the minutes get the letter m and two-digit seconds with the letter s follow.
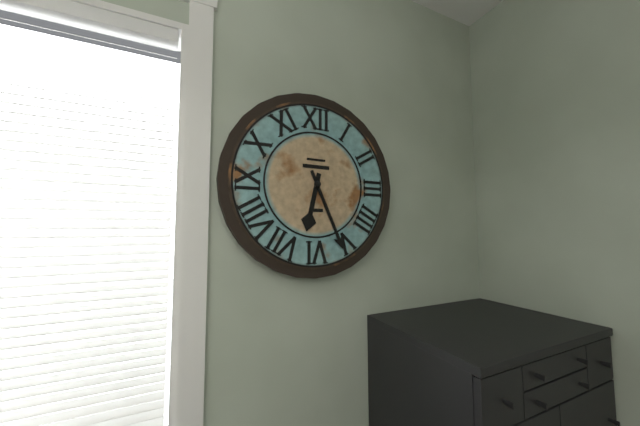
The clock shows 6h26
